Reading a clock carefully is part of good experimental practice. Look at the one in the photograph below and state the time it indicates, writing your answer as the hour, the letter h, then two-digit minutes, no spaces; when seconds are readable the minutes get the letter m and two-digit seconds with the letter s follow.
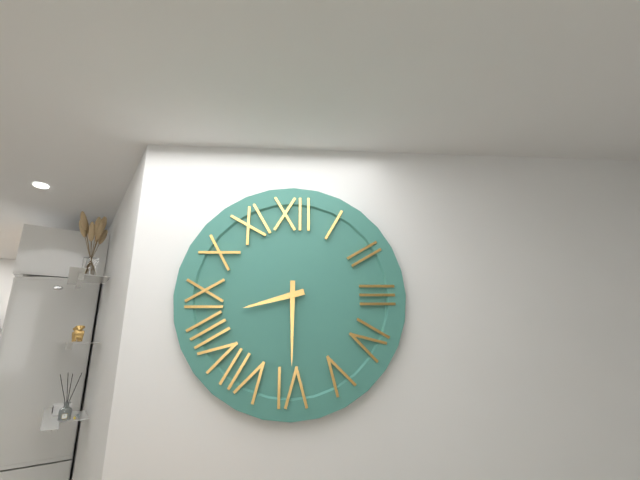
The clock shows 8h30
